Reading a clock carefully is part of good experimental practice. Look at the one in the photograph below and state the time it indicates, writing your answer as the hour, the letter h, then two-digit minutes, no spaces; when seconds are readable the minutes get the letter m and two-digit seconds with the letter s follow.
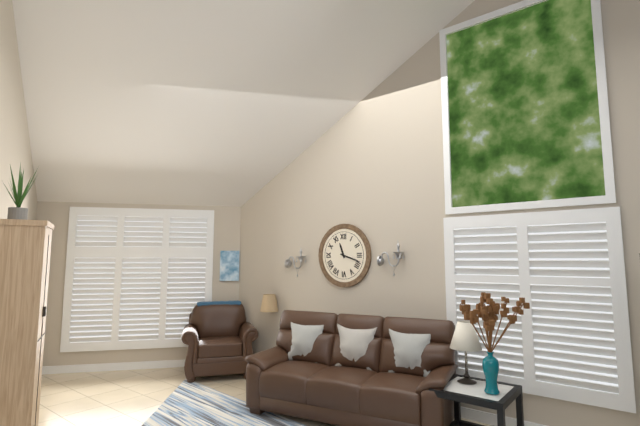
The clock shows 11h18
